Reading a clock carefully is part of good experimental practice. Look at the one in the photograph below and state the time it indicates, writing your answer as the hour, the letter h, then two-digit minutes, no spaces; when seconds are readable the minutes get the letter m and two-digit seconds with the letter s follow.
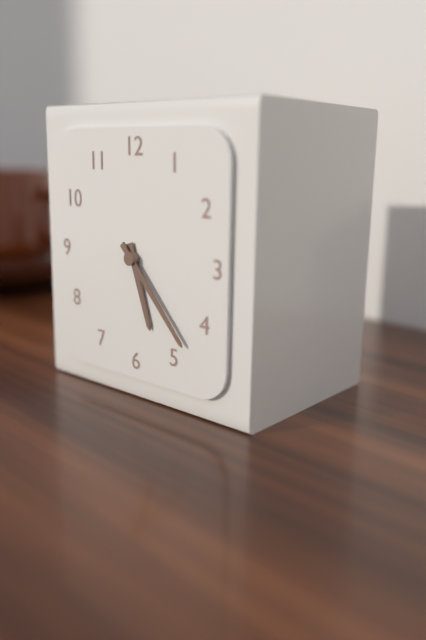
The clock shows 5h23
